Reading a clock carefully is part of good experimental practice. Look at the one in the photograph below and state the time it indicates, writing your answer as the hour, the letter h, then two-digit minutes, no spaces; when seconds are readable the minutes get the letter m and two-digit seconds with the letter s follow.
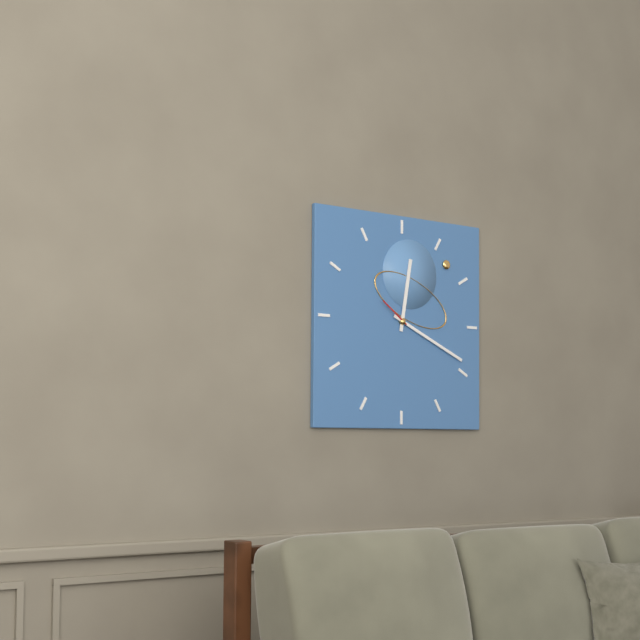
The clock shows 12h19
